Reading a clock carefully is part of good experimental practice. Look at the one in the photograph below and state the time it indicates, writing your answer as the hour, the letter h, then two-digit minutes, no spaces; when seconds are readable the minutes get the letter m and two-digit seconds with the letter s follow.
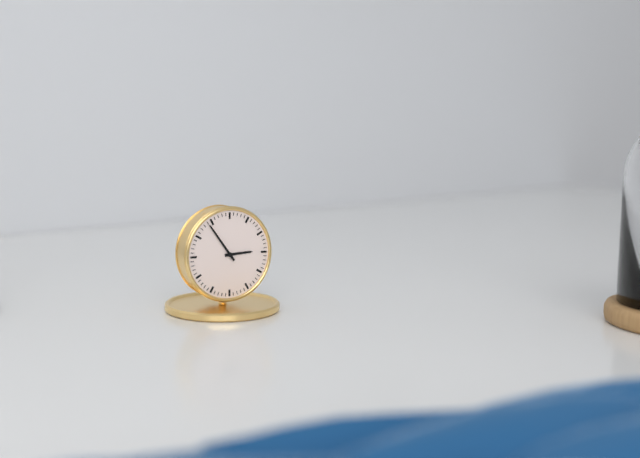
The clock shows 2h54
